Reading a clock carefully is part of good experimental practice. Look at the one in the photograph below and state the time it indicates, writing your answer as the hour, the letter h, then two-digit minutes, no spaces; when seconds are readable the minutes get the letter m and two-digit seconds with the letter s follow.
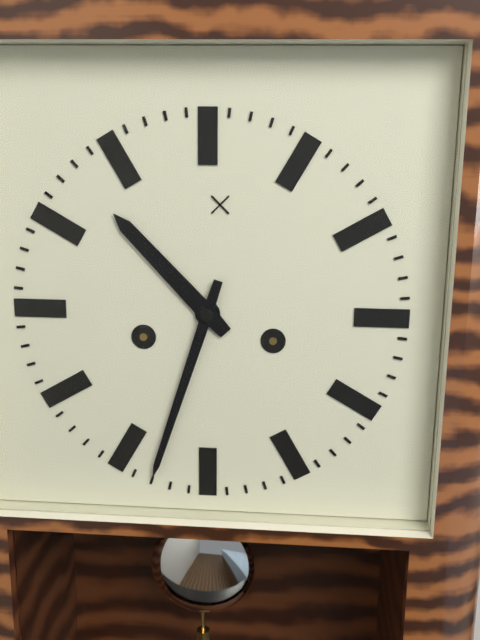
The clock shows 10h33
